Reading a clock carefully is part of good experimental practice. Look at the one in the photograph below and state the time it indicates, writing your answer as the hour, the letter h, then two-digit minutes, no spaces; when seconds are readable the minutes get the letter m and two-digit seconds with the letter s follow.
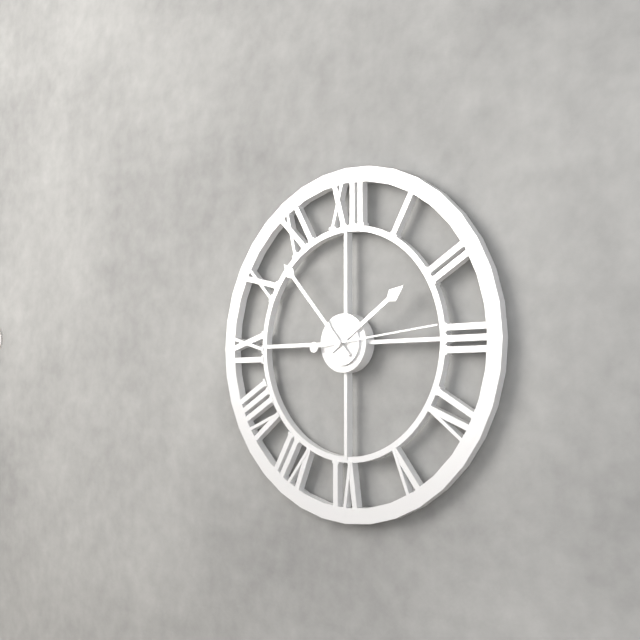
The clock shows 1h53m14s
